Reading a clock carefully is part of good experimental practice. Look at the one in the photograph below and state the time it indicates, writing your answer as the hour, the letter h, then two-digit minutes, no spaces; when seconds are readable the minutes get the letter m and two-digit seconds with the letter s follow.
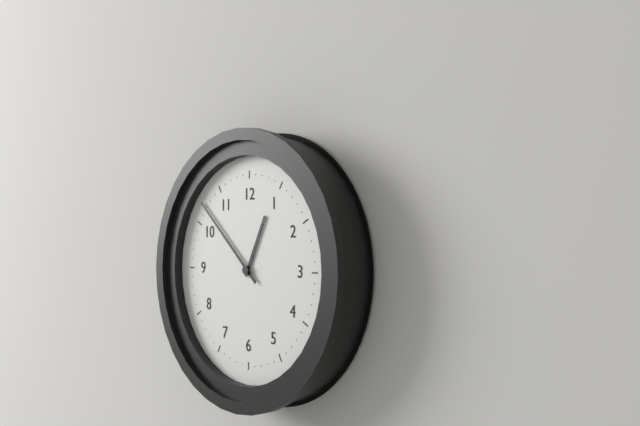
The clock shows 12h52
